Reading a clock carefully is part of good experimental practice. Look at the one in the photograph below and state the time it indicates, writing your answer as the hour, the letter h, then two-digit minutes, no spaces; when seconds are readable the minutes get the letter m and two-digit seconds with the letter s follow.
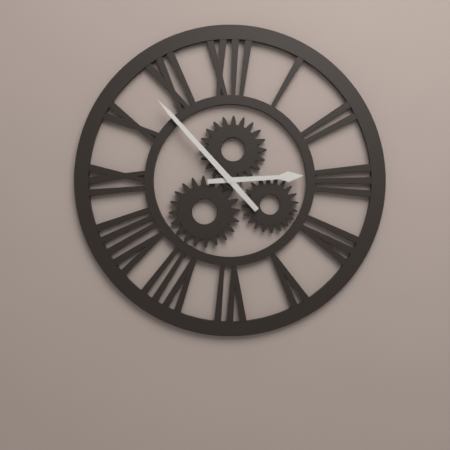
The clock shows 2h53
